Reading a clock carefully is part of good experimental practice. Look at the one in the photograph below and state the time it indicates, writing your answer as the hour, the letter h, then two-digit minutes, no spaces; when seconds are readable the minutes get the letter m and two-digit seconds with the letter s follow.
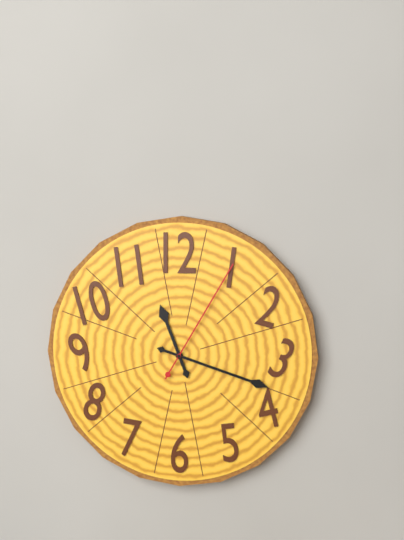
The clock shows 11h18m05s
